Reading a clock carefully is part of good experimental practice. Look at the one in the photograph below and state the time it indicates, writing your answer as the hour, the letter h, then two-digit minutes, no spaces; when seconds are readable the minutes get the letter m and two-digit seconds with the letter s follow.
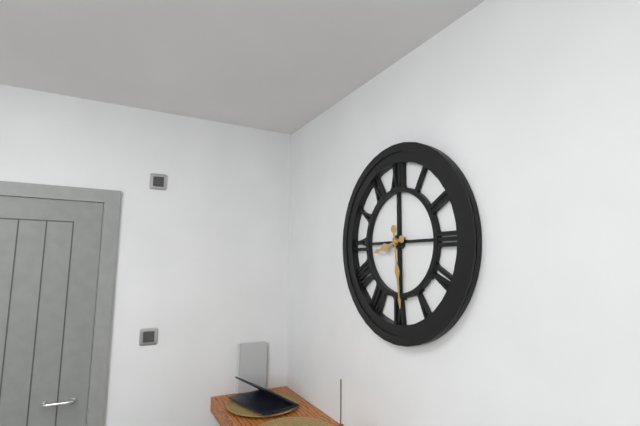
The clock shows 8h29
